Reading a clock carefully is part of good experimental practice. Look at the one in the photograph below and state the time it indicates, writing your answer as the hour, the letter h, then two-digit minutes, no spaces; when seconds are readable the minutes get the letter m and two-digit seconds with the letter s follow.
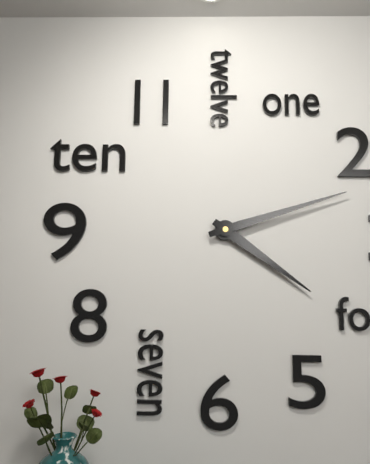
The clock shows 4h12
